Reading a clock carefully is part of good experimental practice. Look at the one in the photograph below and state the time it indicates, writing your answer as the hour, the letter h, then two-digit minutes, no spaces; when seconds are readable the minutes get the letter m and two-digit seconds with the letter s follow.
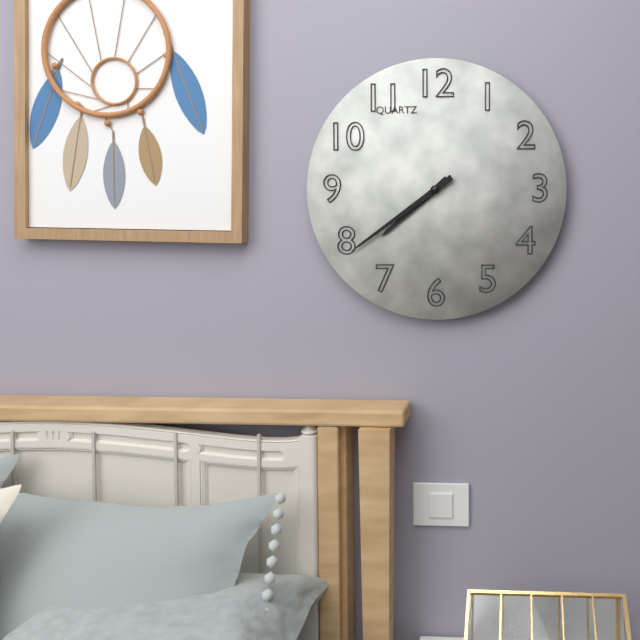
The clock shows 7h39
